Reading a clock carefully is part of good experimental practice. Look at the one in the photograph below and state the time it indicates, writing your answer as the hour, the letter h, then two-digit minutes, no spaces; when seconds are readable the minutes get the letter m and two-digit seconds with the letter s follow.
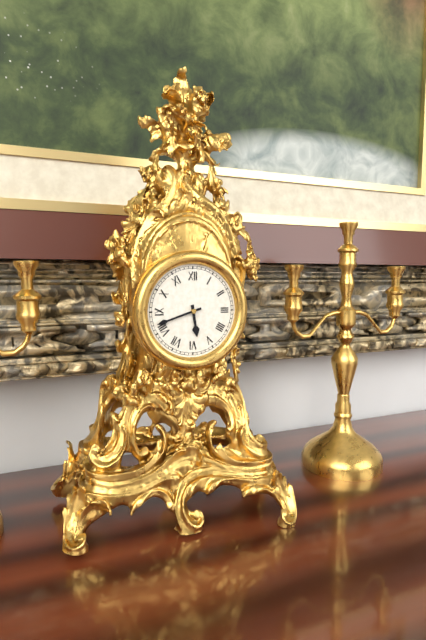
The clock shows 5h42
